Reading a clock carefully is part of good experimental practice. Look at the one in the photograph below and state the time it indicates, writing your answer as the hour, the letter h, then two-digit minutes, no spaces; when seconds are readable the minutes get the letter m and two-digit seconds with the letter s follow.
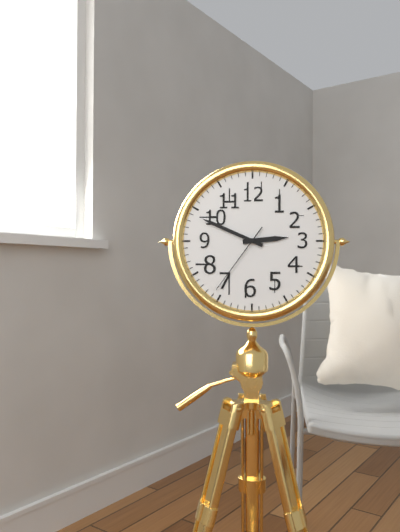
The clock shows 2h49m36s
